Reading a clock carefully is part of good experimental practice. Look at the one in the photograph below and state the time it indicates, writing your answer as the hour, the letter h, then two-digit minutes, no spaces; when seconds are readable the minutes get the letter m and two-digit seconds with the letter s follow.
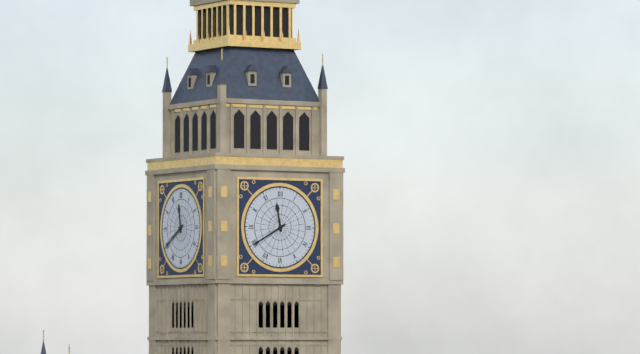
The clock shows 11h40
